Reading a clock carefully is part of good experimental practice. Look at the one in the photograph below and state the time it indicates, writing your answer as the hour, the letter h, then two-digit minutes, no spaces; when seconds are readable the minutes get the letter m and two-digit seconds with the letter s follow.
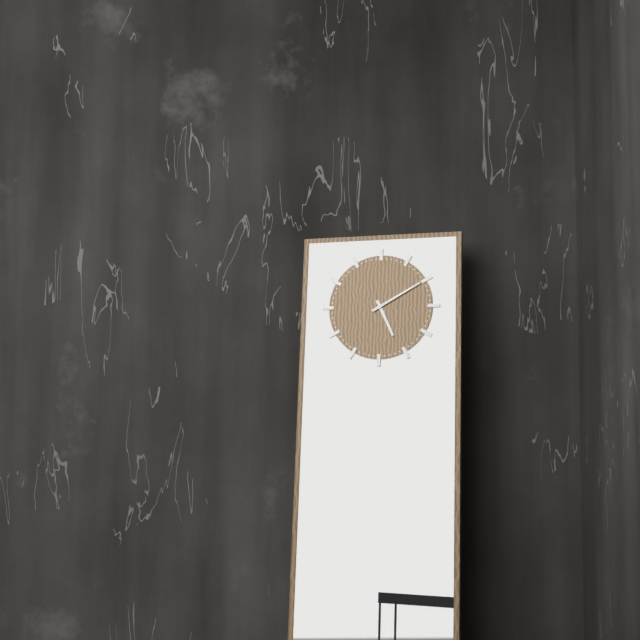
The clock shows 5h10
